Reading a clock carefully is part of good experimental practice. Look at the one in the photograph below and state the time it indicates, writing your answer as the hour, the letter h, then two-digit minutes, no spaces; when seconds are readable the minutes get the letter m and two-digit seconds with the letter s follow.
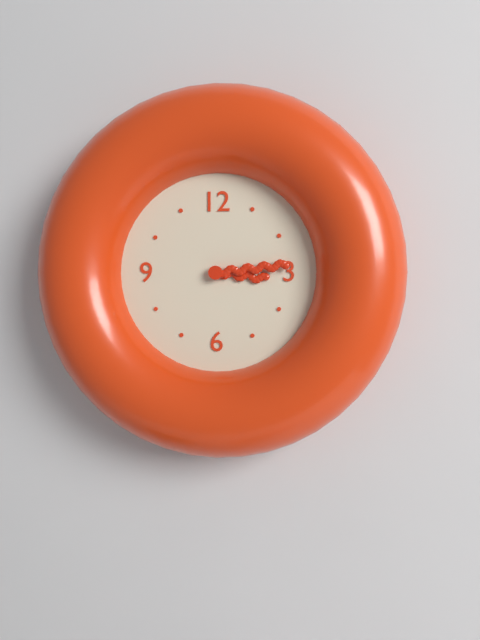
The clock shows 3h14
